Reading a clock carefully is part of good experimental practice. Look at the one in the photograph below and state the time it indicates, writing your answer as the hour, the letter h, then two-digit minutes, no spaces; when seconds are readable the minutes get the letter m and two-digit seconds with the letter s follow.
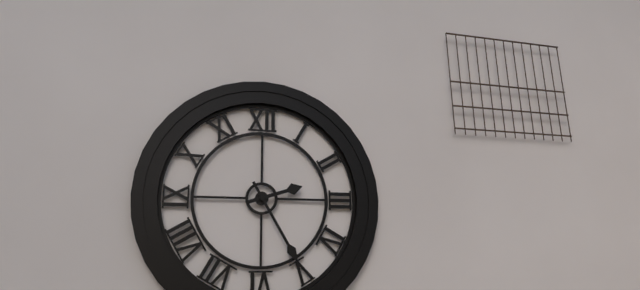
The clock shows 2h25
